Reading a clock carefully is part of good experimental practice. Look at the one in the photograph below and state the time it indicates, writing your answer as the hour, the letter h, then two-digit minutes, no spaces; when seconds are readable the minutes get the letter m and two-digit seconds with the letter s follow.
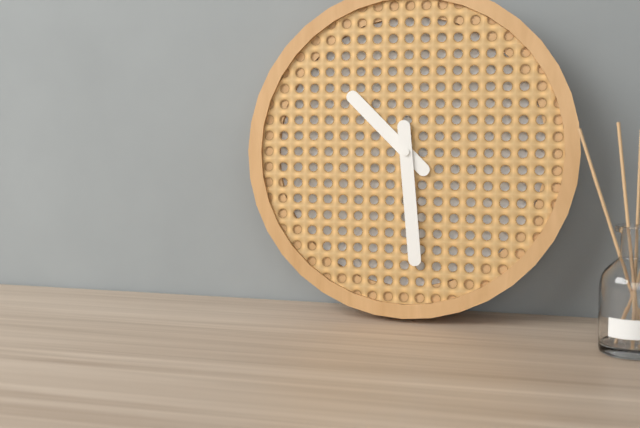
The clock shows 10h29
